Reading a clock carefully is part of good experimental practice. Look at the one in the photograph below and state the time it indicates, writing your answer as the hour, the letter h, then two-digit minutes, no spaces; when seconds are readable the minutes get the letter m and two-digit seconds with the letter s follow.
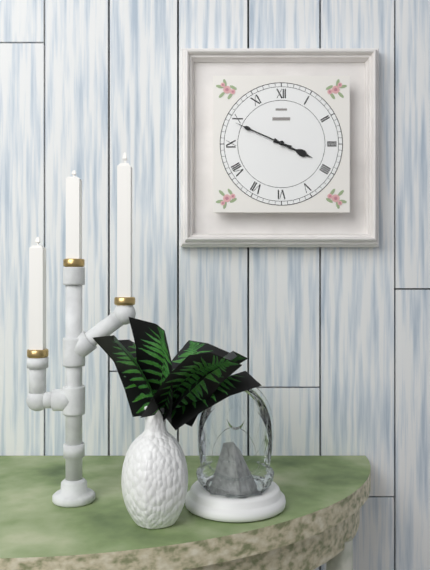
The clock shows 3h49
